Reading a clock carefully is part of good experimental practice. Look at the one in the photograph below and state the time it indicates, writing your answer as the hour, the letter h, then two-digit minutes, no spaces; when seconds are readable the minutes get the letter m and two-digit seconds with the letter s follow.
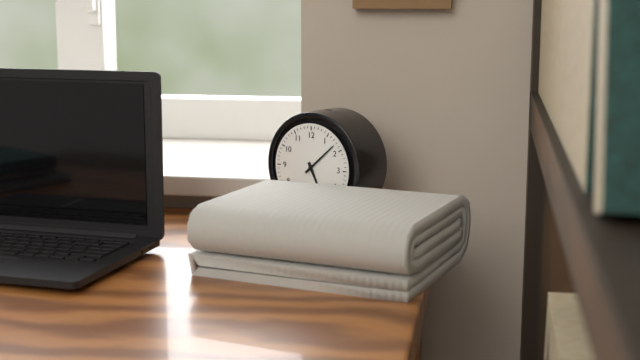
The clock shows 5h08
